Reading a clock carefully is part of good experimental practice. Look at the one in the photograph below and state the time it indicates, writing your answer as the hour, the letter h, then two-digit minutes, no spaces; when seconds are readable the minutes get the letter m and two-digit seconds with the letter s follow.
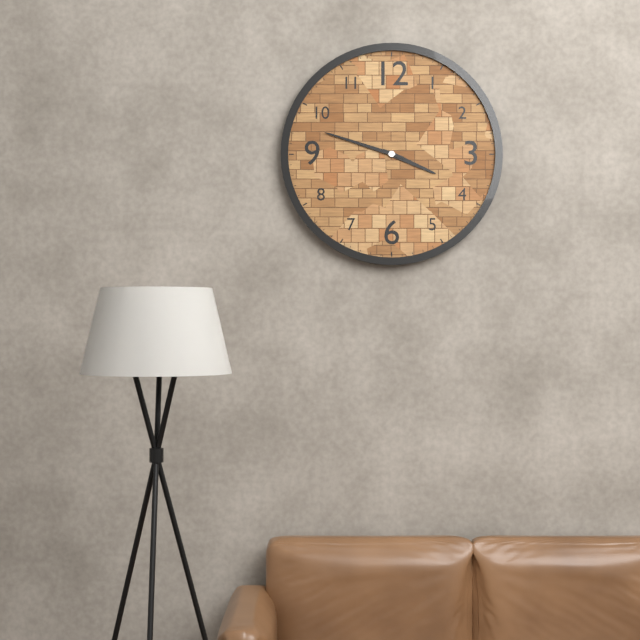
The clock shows 3h48
